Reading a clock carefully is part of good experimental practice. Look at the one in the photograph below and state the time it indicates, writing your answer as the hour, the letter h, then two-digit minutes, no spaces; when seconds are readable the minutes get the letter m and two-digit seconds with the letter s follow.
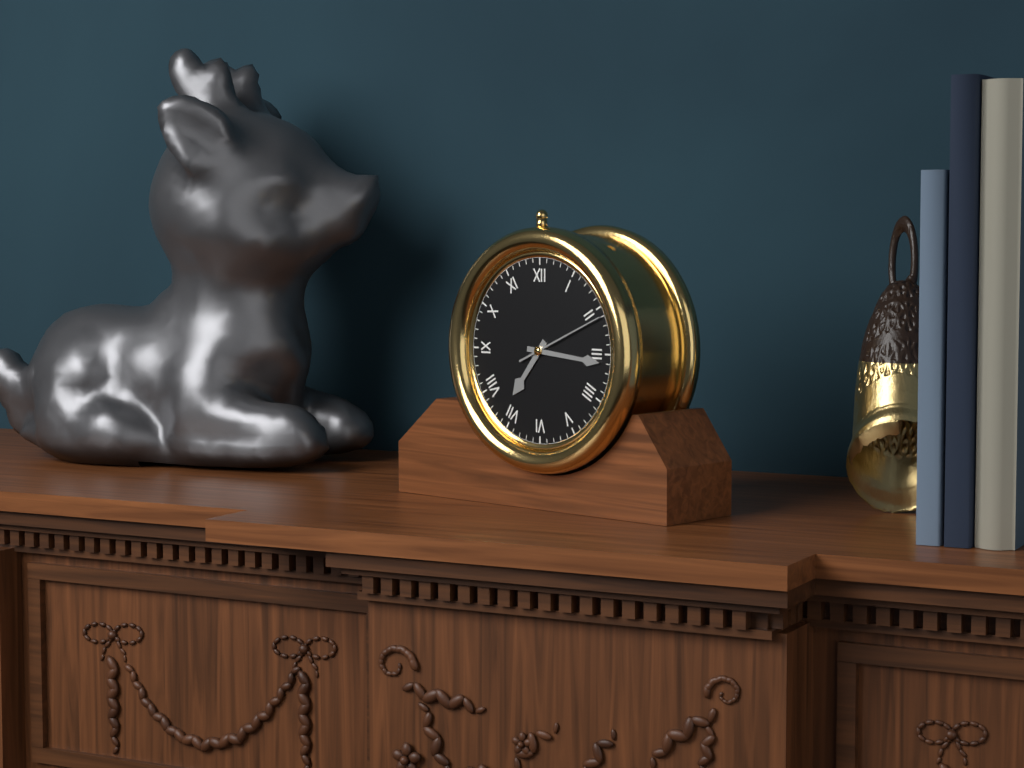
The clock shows 7h16
